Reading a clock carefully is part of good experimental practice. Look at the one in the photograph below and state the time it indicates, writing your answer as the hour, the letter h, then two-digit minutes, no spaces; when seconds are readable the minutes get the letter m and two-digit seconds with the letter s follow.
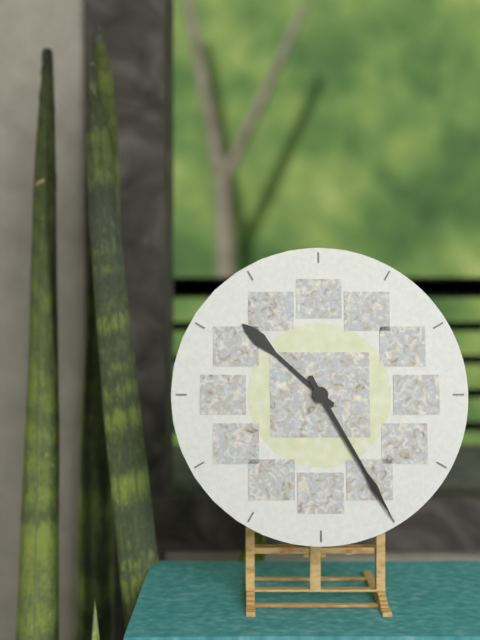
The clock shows 10h25
